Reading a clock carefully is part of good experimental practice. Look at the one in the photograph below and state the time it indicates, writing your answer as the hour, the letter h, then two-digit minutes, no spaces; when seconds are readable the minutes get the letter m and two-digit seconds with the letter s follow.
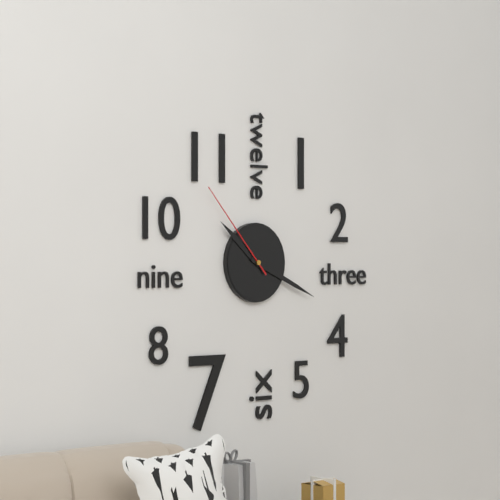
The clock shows 10h19m53s
